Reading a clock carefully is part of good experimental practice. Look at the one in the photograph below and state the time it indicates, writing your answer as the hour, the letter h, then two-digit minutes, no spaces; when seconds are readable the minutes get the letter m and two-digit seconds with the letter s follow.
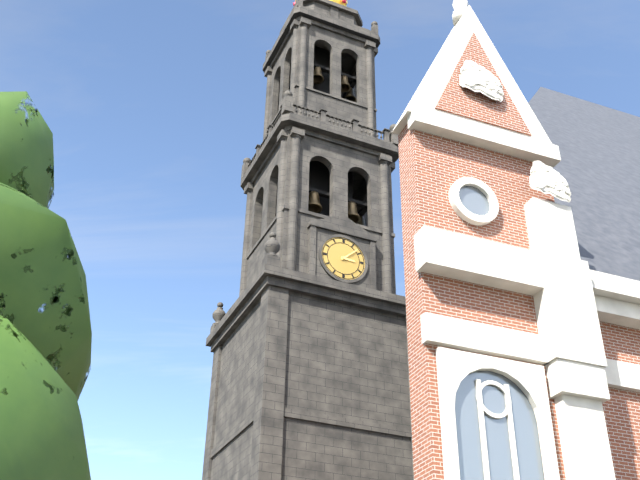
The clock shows 3h08
